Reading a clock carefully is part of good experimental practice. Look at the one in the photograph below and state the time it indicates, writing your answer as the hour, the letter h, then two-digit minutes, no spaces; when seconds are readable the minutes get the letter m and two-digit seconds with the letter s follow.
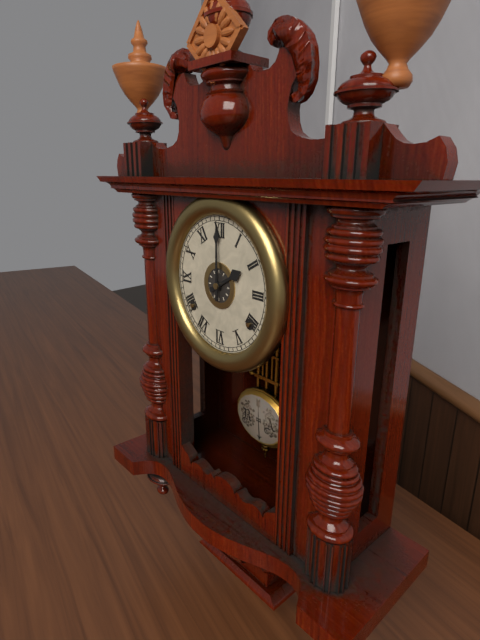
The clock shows 2h00
